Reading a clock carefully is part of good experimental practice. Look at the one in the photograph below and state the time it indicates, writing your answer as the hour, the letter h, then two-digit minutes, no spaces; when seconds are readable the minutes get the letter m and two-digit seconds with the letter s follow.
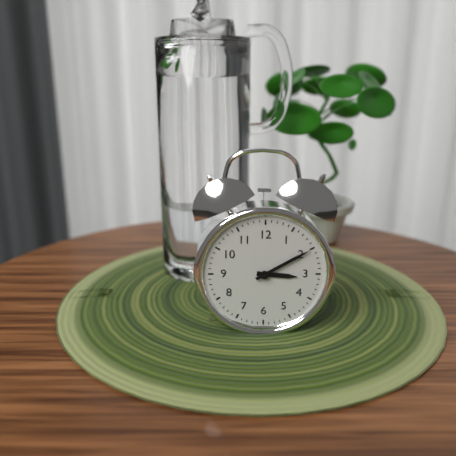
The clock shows 3h10
